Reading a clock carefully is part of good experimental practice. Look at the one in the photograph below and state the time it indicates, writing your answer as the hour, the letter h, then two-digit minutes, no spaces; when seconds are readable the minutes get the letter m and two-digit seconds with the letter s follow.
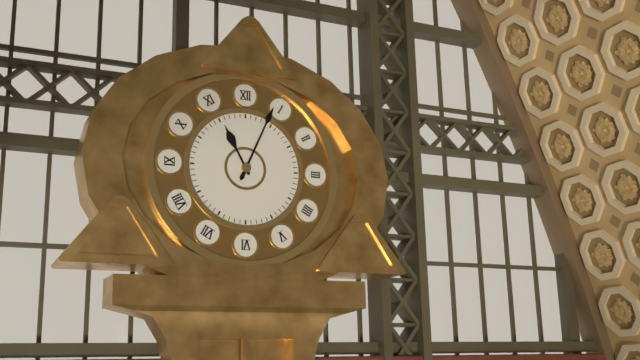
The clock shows 11h04
